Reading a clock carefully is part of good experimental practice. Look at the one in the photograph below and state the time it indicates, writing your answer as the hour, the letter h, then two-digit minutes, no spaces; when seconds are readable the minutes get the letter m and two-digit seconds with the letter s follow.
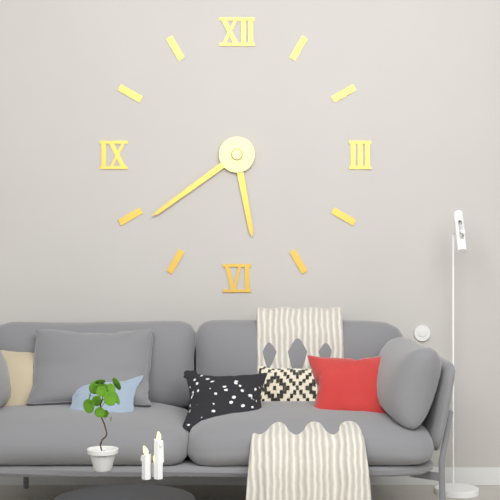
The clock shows 5h39
